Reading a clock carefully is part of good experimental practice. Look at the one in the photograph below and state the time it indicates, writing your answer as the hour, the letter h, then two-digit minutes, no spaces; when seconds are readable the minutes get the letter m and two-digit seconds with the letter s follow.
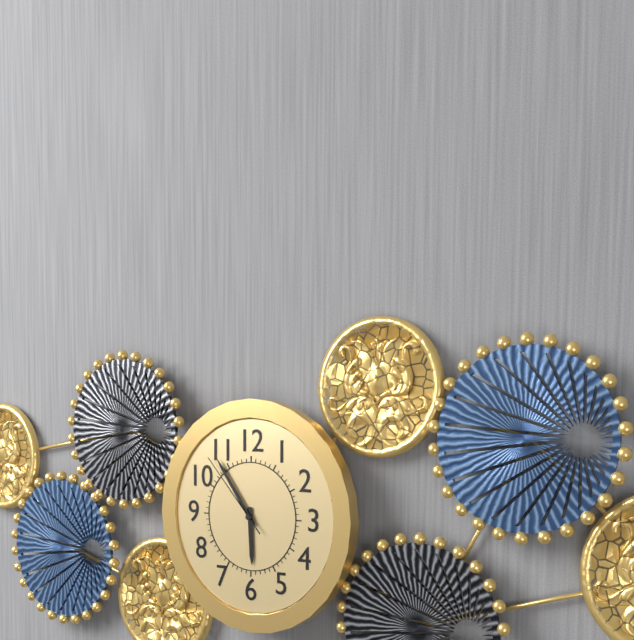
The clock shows 5h54m53s
